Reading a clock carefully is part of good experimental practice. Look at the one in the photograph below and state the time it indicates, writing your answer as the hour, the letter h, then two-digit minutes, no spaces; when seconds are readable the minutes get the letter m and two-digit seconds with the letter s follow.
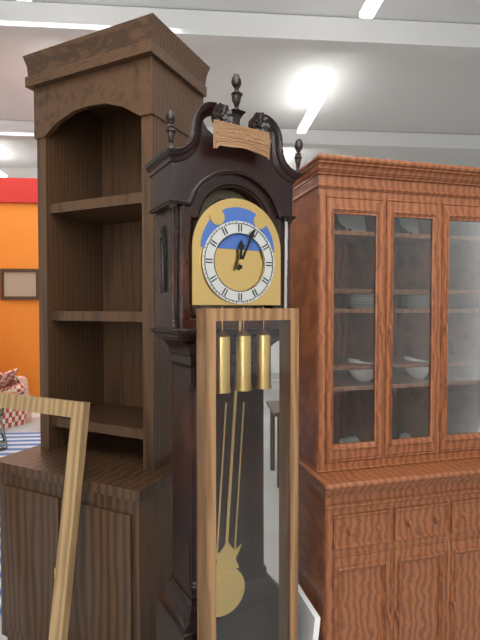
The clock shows 12h04
